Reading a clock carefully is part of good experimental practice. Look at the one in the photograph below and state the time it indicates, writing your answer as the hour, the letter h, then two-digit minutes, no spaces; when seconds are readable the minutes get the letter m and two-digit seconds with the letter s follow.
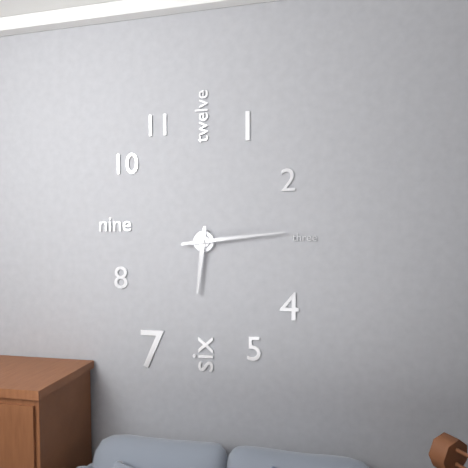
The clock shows 6h14
